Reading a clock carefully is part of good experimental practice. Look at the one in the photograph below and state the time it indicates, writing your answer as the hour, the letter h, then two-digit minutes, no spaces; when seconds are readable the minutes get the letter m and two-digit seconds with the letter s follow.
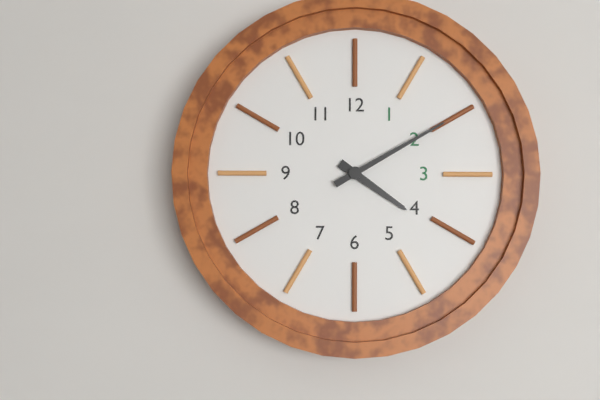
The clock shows 4h10
